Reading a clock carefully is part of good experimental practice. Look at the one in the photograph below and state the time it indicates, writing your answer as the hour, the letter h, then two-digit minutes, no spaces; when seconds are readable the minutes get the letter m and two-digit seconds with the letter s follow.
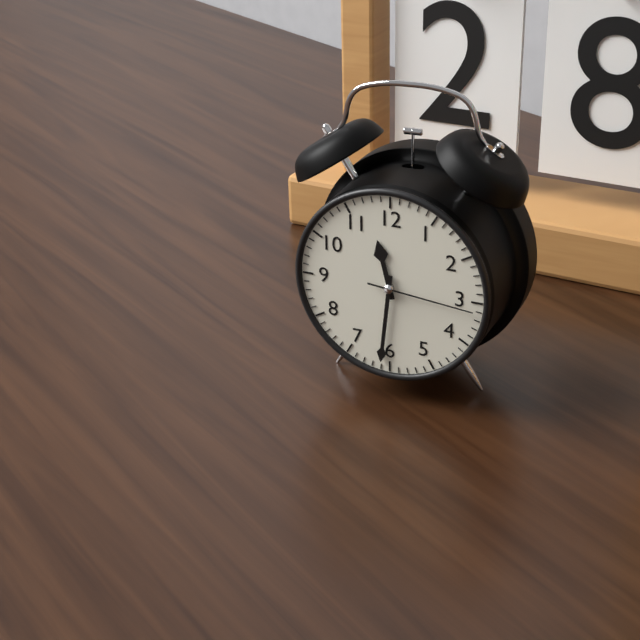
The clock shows 11h31m16s
